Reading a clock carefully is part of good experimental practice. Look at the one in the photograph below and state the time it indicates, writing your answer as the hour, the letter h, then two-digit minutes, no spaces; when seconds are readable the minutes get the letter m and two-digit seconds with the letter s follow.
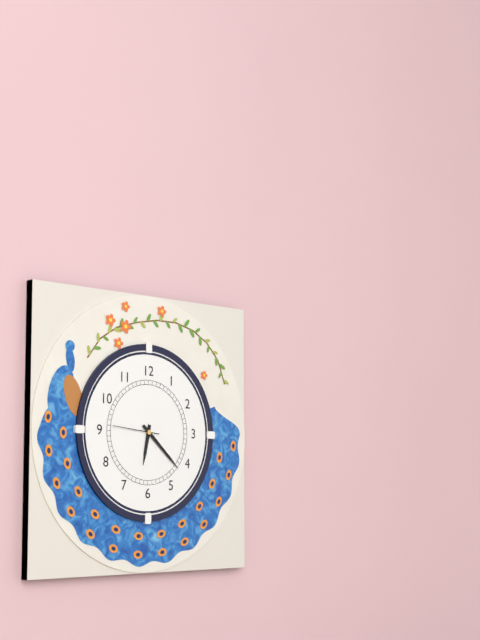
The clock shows 6h22
